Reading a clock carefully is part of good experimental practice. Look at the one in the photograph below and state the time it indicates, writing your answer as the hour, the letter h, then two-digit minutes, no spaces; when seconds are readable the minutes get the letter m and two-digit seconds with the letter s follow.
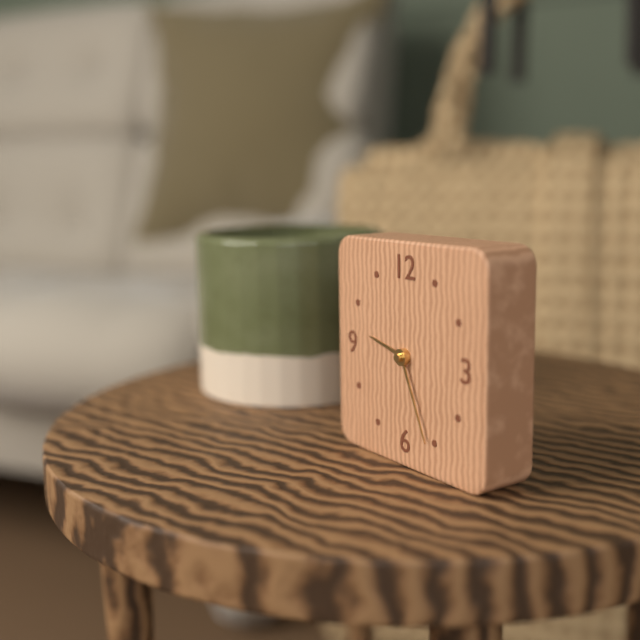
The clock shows 9h26
